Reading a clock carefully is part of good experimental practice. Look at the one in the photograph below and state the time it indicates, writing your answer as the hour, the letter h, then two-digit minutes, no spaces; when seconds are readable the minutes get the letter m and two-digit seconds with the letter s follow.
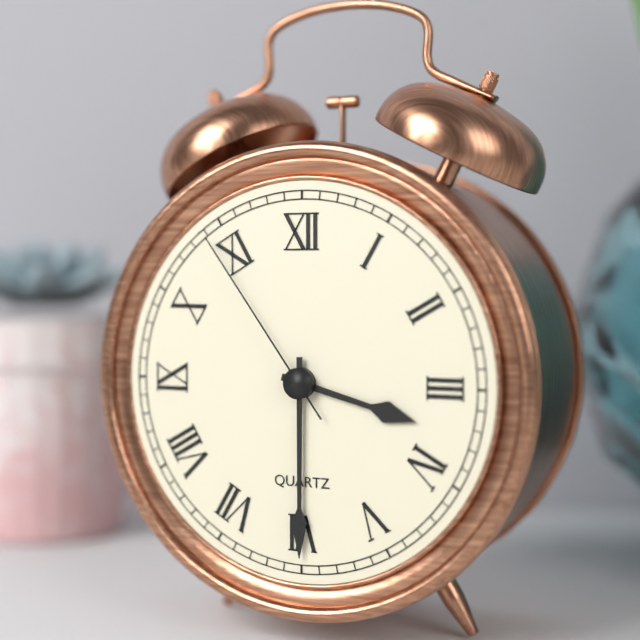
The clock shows 3h30m54s
